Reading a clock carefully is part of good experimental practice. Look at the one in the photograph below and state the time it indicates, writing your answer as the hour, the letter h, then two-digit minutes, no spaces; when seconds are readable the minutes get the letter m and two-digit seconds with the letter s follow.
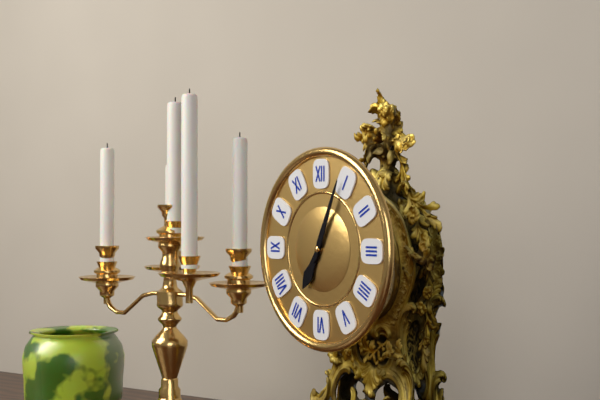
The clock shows 7h04
